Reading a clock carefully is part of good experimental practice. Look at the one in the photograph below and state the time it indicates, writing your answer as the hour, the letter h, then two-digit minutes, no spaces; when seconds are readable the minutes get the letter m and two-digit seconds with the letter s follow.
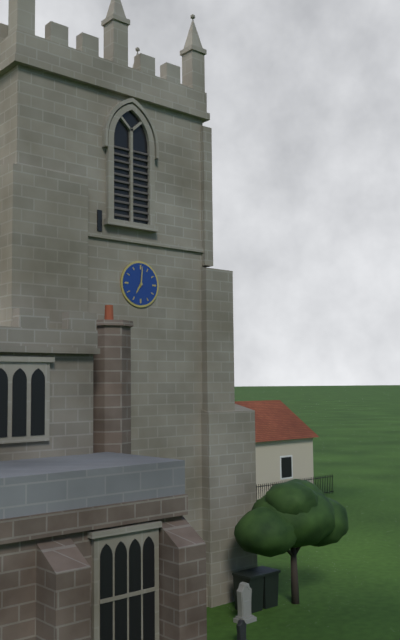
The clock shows 7h01
